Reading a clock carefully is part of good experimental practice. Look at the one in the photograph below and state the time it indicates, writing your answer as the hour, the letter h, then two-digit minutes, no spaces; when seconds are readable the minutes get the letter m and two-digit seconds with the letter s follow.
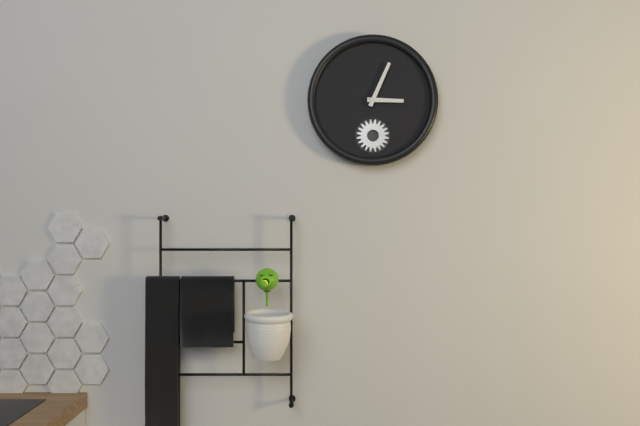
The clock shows 3h04
